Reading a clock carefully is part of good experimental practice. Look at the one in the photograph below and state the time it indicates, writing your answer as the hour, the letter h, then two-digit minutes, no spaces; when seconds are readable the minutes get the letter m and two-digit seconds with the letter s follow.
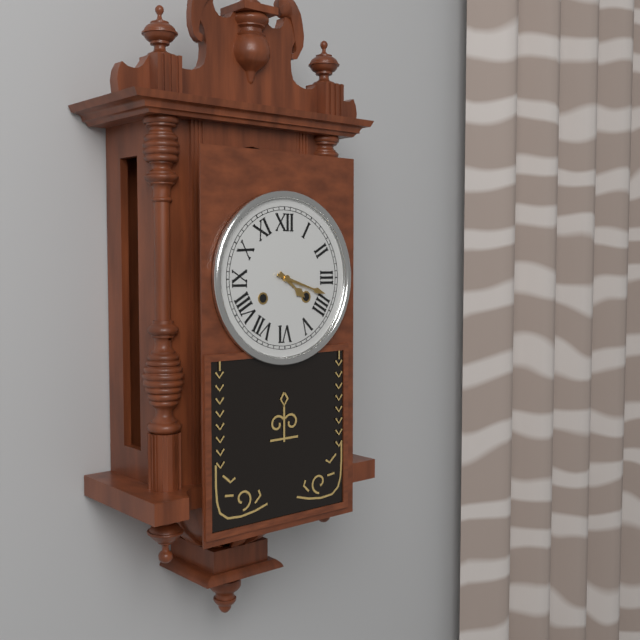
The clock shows 4h18
